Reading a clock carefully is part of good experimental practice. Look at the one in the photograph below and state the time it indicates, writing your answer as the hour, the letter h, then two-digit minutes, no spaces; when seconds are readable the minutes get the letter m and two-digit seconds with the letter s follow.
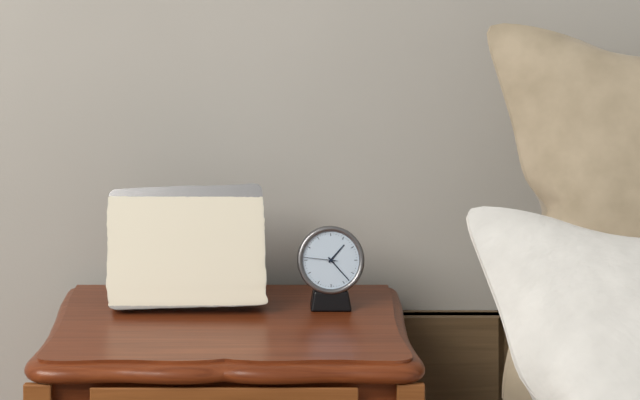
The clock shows 1h23
